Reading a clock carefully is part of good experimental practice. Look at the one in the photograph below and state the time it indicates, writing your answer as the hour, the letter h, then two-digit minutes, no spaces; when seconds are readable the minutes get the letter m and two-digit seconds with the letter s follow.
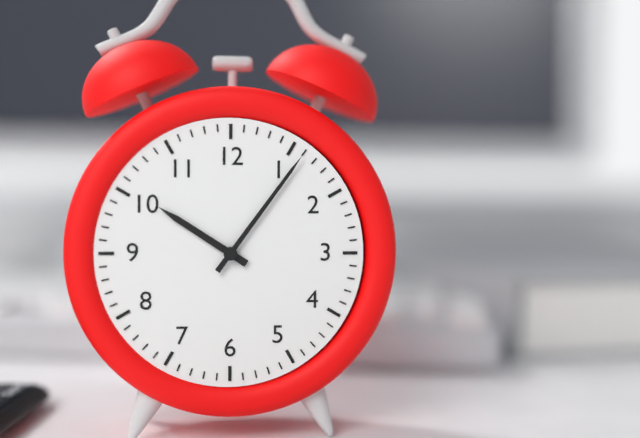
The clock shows 10h06
